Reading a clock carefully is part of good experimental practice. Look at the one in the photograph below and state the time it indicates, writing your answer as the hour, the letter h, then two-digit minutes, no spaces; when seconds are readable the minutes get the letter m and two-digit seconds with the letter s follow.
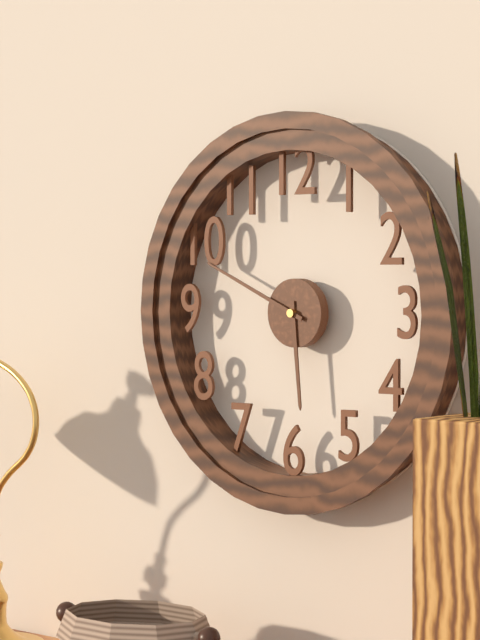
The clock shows 5h49
